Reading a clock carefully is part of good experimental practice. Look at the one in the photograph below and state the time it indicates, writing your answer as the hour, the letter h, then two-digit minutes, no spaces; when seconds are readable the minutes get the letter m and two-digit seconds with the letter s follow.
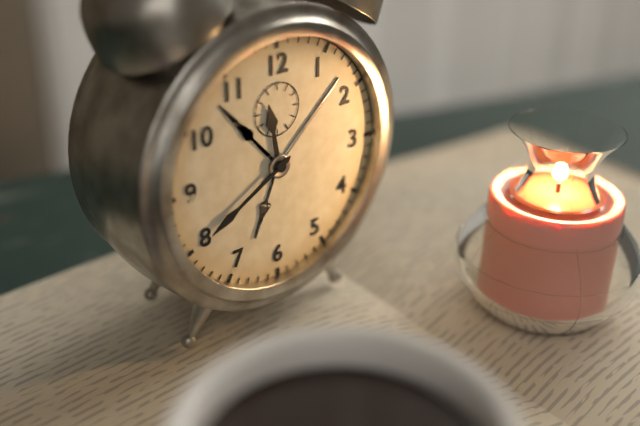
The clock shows 11h40
